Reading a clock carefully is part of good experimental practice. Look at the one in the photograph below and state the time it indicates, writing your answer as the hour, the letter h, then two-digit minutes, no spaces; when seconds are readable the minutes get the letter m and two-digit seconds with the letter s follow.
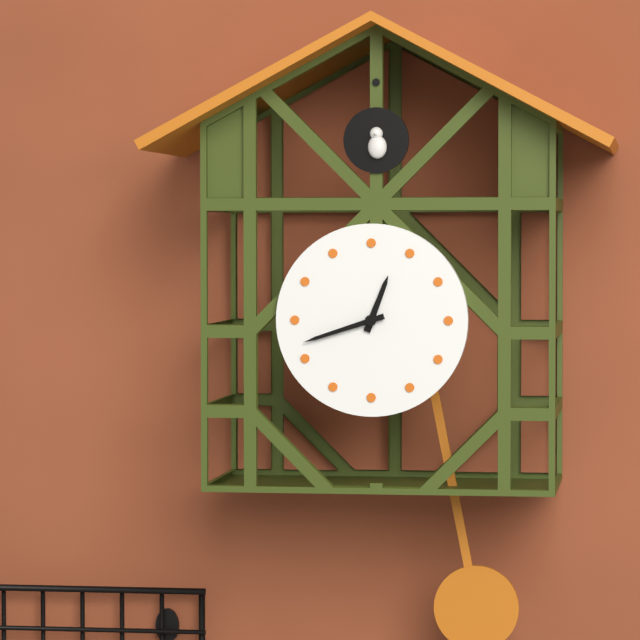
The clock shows 12h42
